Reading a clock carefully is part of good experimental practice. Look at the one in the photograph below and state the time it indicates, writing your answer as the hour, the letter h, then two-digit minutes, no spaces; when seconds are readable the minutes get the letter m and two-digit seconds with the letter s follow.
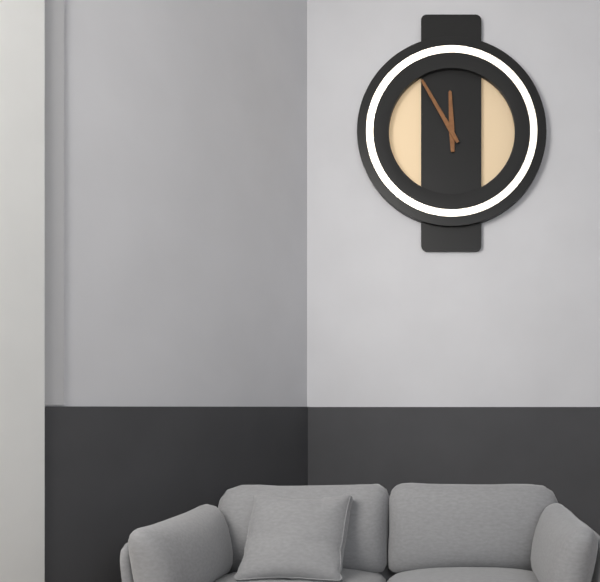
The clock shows 11h55
